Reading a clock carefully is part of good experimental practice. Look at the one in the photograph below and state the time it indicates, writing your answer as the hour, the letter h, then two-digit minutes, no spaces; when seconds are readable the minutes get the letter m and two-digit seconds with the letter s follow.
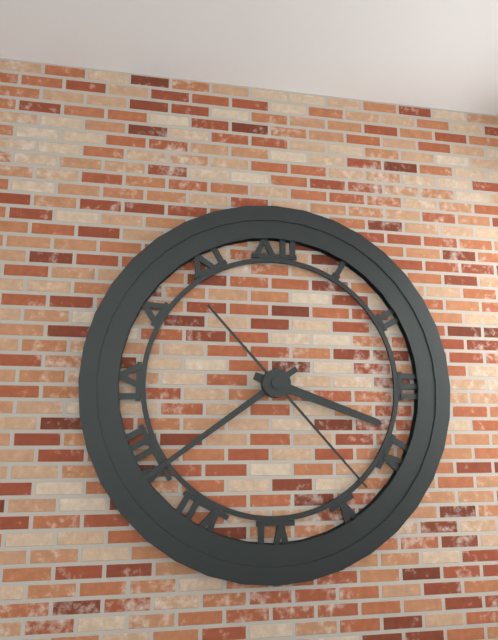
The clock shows 3h39m23s
